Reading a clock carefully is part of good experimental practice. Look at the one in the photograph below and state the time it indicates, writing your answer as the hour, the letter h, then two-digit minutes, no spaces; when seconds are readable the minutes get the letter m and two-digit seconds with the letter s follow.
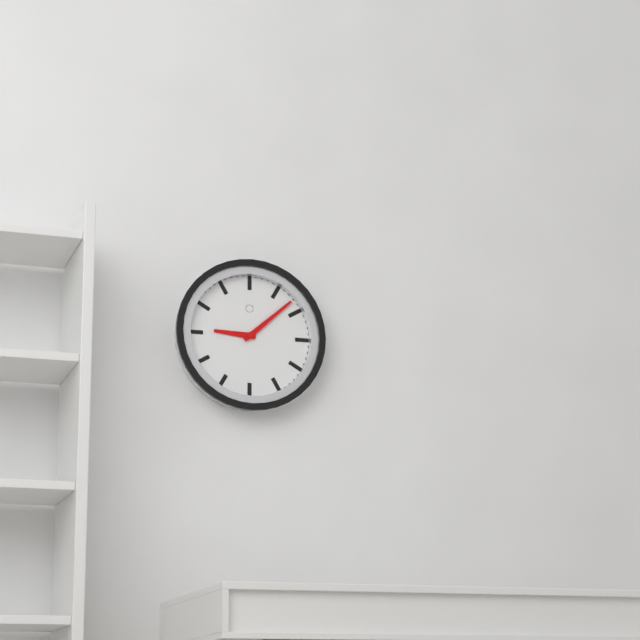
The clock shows 9h08
